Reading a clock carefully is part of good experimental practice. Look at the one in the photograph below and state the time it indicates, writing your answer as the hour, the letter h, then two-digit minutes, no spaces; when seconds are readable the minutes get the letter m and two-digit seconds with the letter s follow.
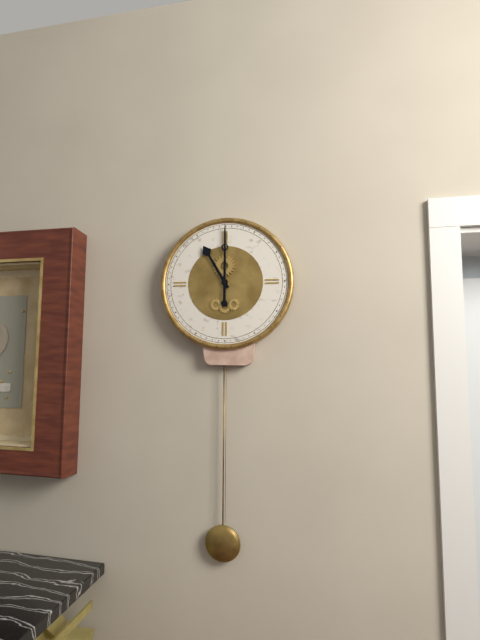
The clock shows 11h00
